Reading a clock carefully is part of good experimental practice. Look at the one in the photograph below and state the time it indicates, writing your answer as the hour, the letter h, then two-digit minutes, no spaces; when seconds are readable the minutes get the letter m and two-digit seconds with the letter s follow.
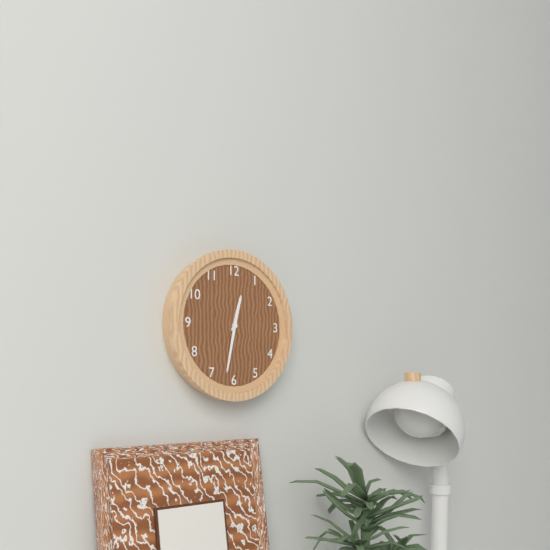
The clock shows 12h32
